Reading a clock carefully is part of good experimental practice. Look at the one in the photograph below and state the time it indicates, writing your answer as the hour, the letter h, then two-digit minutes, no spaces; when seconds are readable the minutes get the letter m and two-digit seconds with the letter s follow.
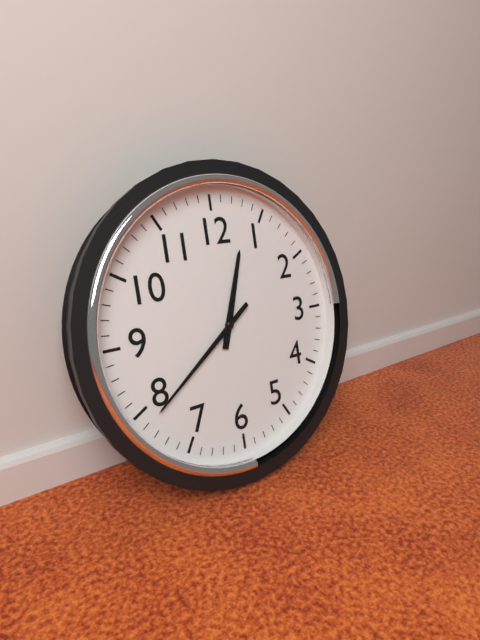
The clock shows 12h39
